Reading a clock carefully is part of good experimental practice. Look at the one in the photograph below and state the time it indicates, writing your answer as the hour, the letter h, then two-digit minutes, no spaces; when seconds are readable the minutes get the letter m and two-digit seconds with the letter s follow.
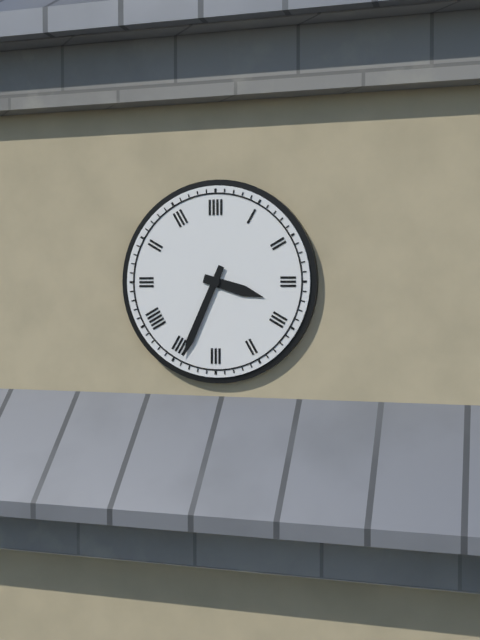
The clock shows 3h34
